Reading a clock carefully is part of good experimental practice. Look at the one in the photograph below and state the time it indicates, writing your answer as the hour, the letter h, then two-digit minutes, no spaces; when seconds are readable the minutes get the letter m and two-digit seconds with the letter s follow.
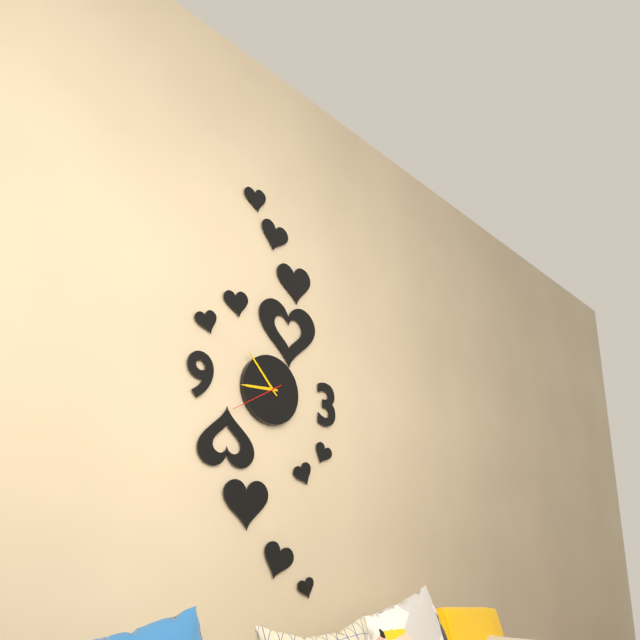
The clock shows 8h53
